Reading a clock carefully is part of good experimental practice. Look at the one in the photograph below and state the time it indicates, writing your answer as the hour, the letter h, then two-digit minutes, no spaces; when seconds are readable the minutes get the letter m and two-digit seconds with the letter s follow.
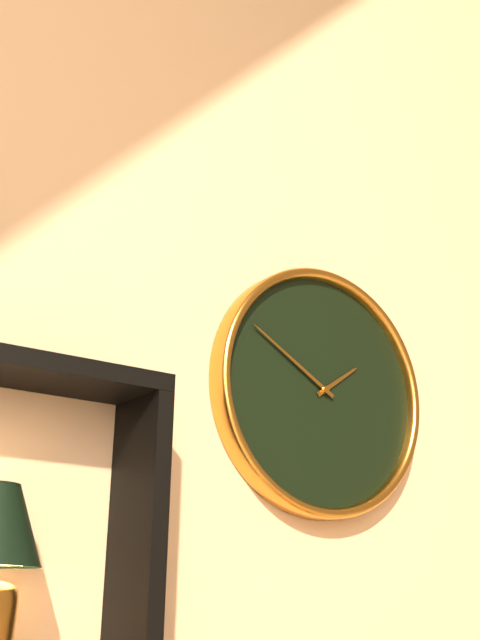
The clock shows 1h50
